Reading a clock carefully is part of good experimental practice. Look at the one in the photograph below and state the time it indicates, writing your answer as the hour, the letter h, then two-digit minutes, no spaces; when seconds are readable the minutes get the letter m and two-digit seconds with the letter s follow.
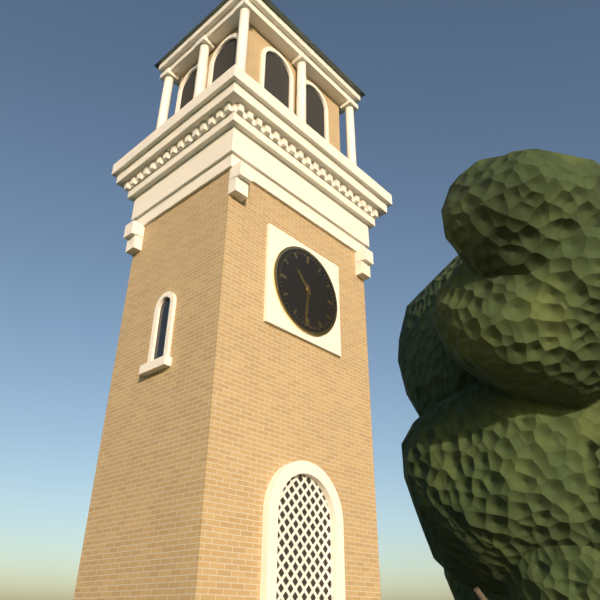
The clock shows 10h31
